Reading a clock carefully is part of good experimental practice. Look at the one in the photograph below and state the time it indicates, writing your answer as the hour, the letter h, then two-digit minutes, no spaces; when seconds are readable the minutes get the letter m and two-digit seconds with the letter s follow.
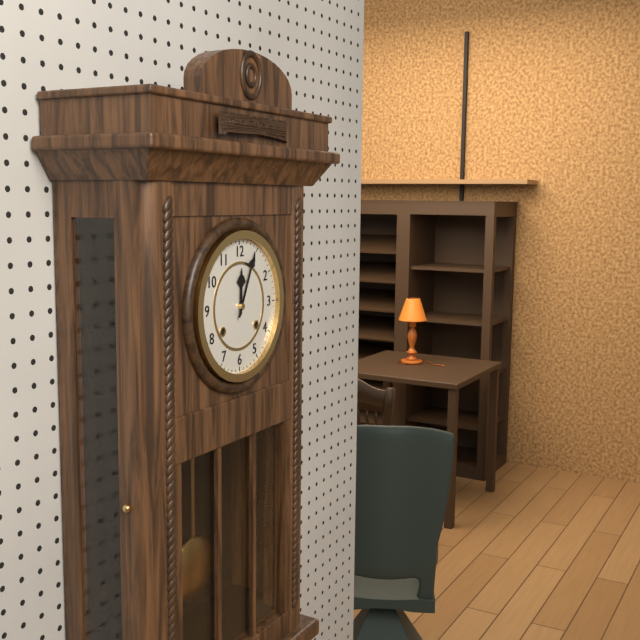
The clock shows 12h04
